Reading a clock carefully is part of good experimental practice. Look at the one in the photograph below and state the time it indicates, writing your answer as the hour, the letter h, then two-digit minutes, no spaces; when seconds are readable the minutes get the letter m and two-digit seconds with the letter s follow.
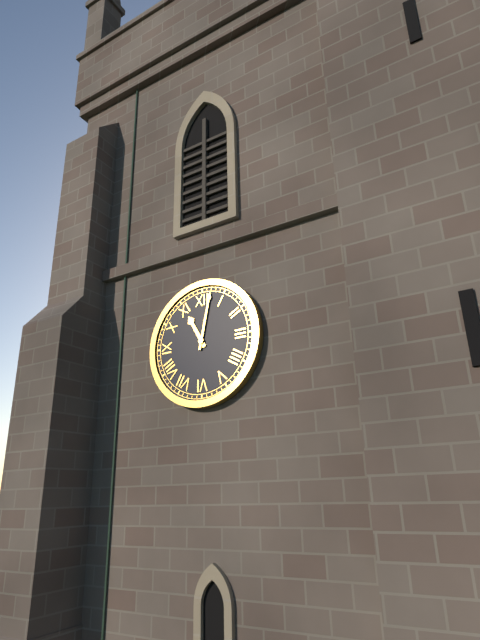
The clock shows 11h02
